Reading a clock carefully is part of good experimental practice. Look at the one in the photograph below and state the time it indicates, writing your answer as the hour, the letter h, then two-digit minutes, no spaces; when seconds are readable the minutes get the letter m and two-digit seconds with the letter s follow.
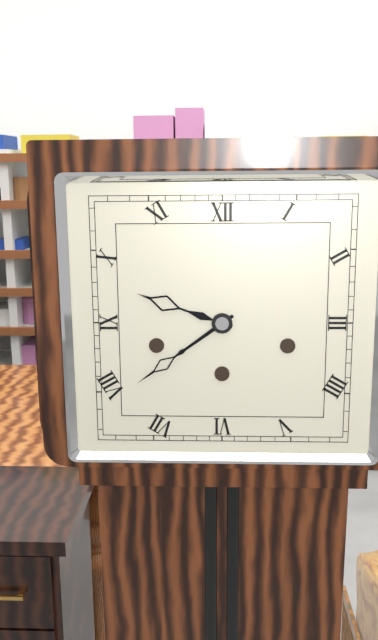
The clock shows 9h39
